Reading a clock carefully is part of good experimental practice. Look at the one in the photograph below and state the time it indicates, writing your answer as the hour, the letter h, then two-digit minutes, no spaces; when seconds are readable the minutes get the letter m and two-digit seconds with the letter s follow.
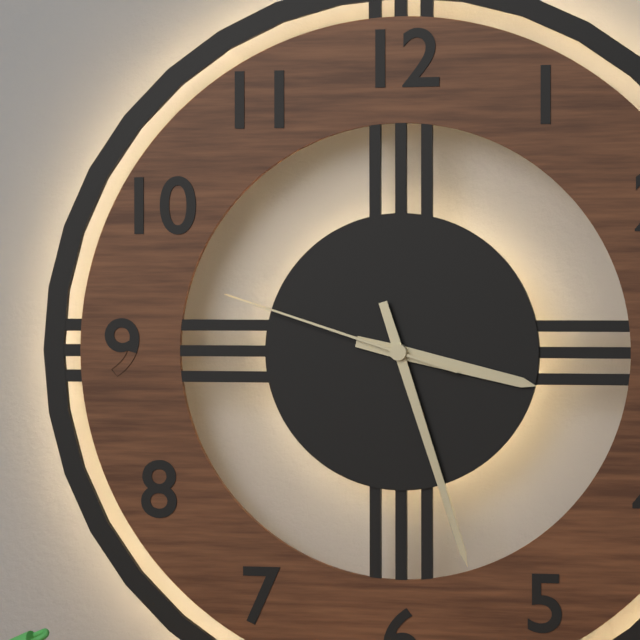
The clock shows 3h27m48s
